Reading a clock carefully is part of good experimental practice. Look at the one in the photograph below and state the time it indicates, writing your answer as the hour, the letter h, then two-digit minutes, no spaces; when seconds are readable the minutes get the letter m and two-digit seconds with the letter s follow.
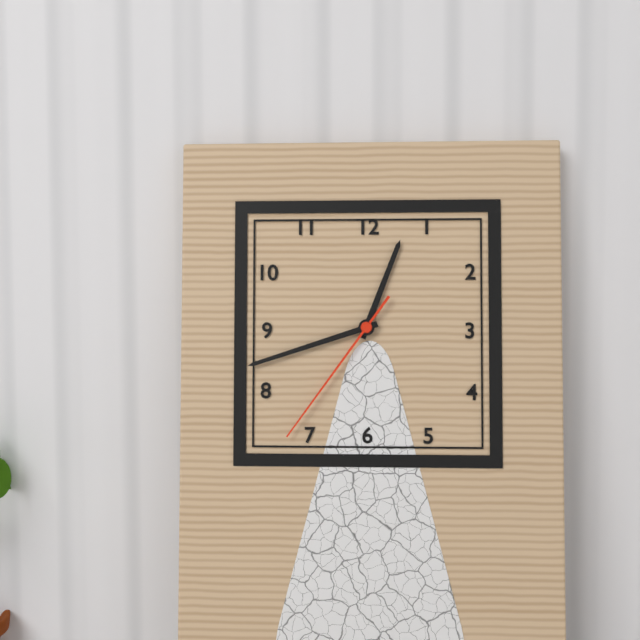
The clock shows 12h42m36s
